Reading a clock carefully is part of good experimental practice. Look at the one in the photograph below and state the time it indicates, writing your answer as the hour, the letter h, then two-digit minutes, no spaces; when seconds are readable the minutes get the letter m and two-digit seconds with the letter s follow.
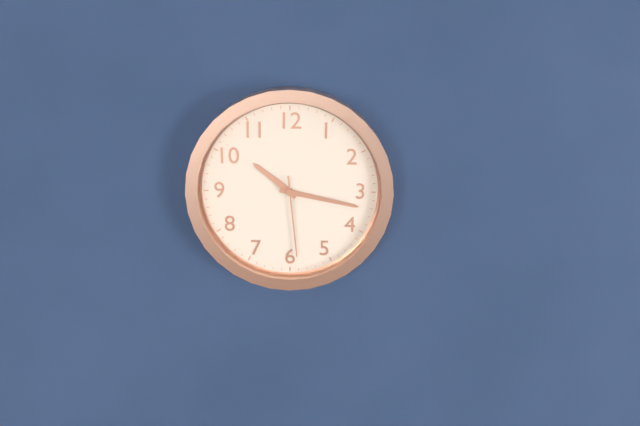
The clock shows 10h17m29s
